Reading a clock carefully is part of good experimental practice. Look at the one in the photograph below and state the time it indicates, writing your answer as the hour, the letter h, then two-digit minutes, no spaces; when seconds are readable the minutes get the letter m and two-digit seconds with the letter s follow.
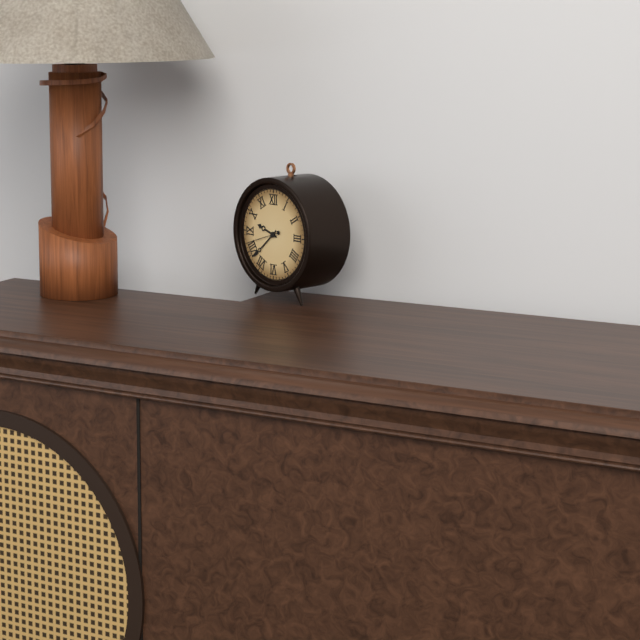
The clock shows 9h38
